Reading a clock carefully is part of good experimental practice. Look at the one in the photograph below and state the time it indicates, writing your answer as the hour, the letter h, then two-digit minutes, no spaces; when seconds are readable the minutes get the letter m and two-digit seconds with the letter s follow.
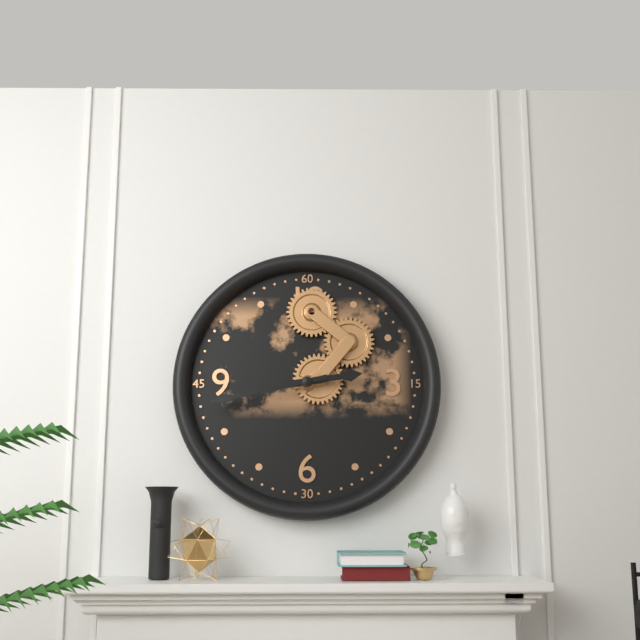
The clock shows 2h43
